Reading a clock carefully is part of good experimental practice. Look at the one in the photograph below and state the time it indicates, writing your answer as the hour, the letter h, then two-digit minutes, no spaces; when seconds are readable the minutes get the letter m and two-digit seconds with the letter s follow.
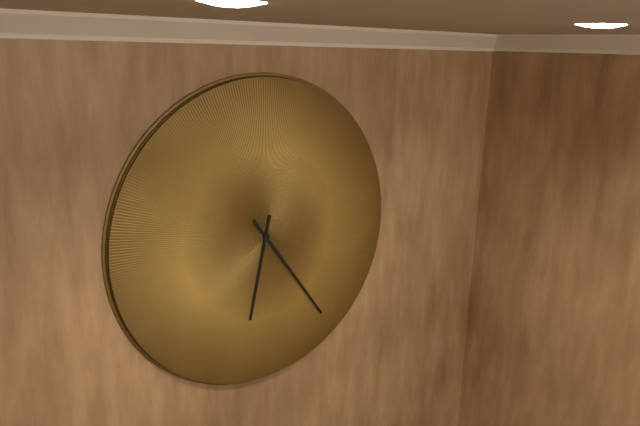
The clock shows 6h24
